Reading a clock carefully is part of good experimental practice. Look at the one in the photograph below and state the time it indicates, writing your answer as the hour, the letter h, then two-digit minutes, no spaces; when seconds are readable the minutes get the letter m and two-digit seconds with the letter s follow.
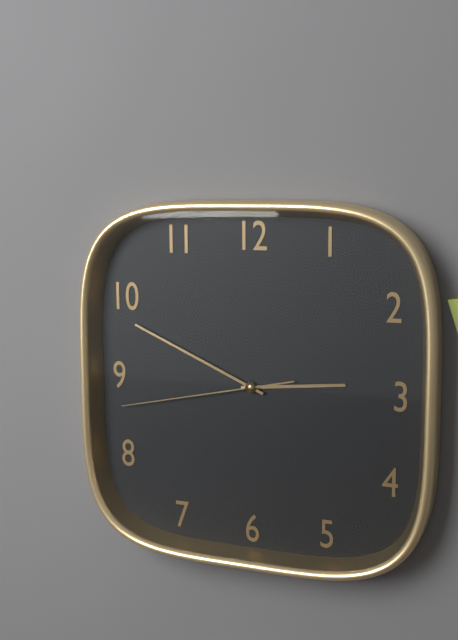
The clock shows 2h49m43s
